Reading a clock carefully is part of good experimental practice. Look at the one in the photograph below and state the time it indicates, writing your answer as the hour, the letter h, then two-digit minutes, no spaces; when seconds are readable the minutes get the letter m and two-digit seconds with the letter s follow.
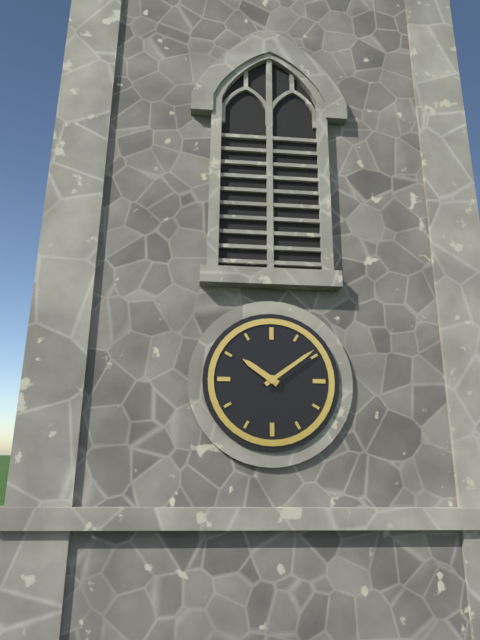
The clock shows 10h09
